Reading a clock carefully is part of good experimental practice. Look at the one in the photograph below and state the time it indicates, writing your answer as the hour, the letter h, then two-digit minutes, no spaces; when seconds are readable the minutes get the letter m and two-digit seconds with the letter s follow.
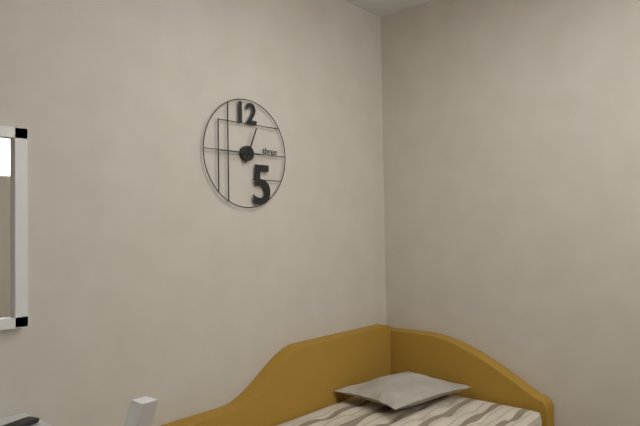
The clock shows 12h45
